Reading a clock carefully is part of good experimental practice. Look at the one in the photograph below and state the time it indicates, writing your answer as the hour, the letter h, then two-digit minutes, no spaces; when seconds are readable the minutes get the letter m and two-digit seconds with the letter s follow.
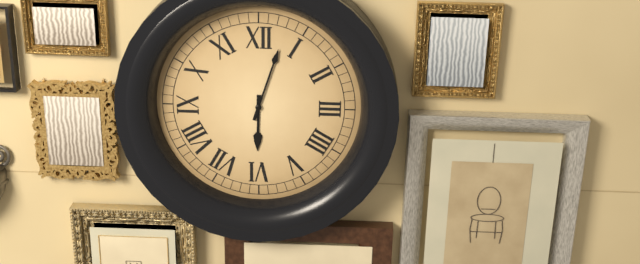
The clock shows 6h03
